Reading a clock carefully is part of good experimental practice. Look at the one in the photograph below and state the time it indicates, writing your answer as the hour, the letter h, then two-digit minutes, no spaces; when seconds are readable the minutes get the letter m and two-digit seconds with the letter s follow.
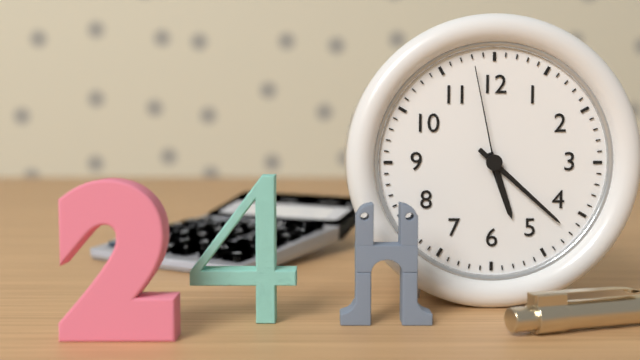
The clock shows 5h22m58s
